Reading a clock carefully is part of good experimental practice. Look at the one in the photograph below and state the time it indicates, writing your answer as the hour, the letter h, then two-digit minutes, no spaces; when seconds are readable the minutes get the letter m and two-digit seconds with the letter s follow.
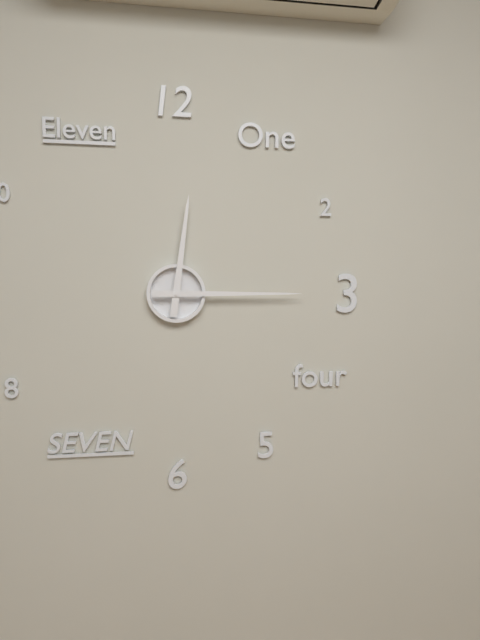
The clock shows 12h15
